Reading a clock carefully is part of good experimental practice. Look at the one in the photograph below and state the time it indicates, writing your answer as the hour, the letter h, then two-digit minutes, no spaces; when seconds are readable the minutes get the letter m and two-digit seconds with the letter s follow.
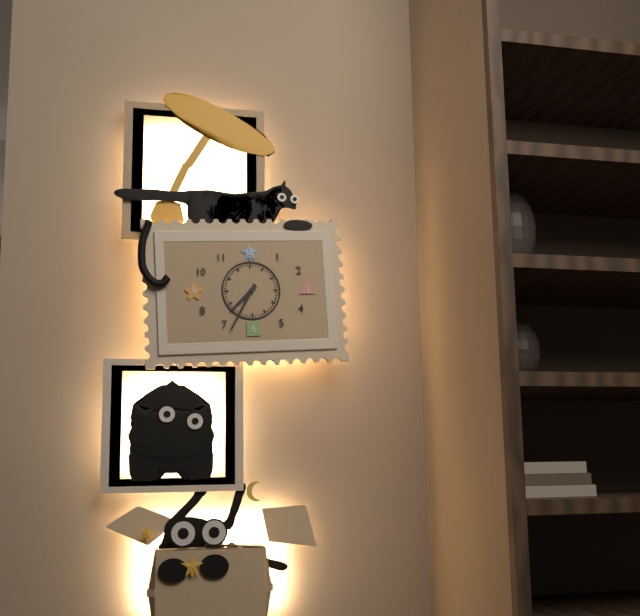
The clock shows 7h35
